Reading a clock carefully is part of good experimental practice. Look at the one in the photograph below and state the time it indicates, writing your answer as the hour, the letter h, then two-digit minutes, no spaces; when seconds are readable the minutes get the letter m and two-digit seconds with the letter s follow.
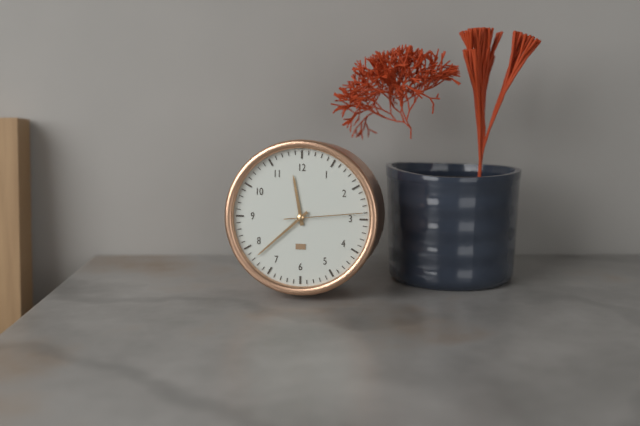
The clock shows 11h38m14s
